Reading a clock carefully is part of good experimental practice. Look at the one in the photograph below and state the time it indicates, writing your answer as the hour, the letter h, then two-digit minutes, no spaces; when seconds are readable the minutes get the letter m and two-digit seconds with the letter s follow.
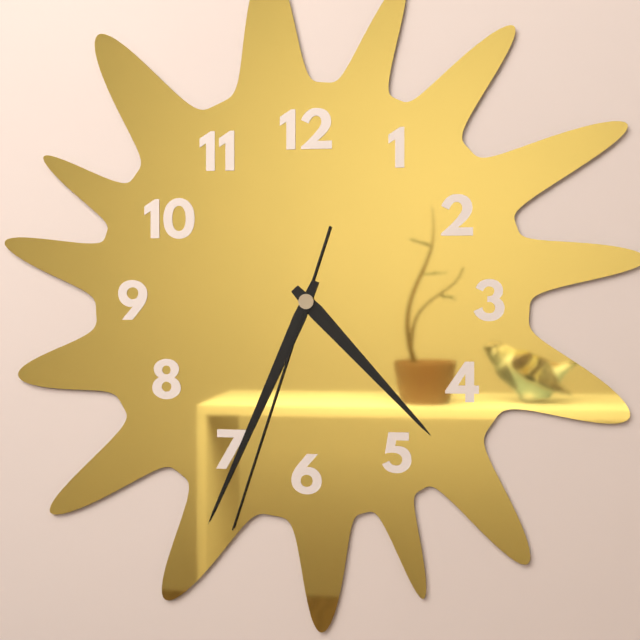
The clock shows 4h34m33s
